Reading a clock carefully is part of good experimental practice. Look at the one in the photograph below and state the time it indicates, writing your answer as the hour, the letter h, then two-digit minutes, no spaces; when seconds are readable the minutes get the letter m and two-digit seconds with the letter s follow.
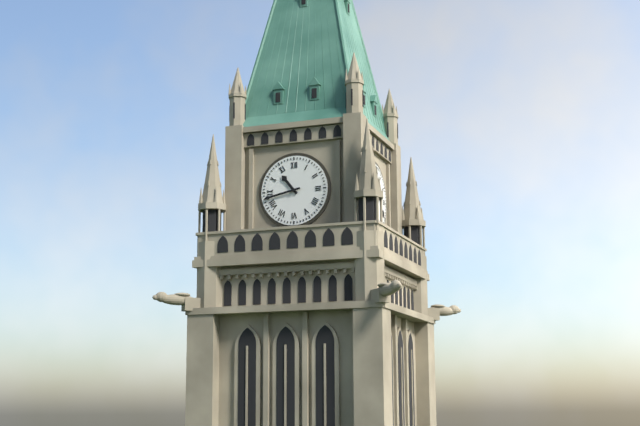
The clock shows 10h43
